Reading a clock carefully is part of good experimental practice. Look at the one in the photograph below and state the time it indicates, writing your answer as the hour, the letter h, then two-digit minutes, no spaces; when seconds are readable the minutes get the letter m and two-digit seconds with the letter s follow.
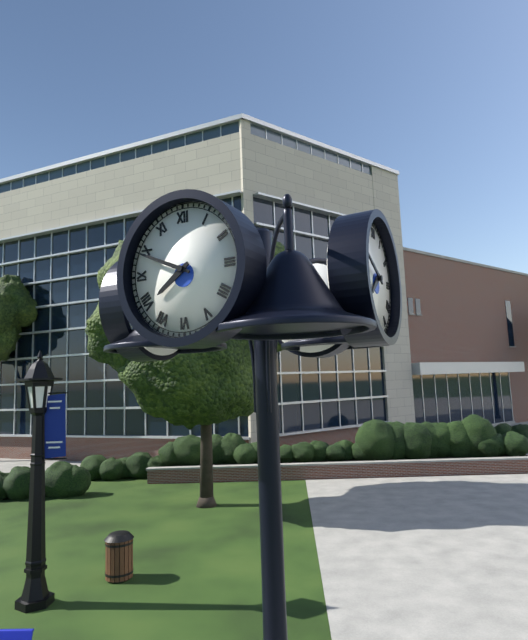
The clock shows 7h49
